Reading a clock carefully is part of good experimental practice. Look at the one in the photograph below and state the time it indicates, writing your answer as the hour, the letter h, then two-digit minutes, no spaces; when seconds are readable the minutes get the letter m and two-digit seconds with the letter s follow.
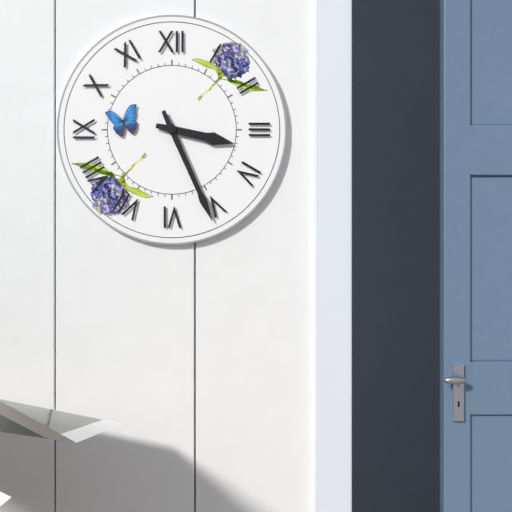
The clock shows 3h26
